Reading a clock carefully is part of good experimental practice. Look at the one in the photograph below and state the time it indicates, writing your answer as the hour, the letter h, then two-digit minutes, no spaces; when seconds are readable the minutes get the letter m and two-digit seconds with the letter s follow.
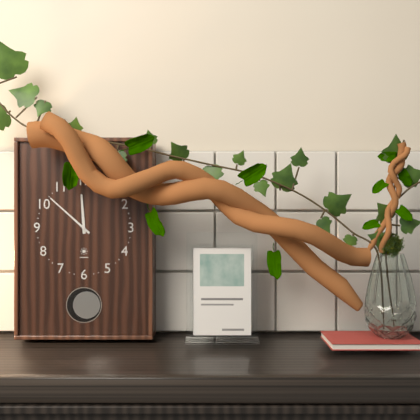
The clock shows 11h52
